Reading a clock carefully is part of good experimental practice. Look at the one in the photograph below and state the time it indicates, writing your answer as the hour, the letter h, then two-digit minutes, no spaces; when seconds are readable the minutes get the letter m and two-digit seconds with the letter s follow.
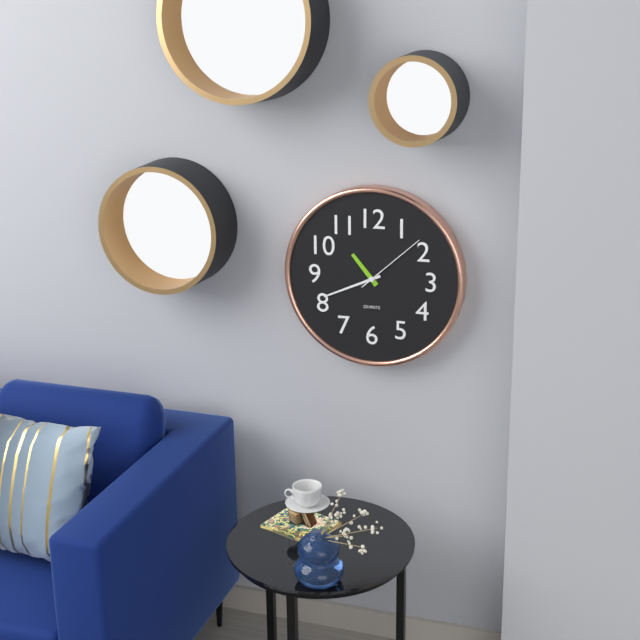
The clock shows 10h41m08s
